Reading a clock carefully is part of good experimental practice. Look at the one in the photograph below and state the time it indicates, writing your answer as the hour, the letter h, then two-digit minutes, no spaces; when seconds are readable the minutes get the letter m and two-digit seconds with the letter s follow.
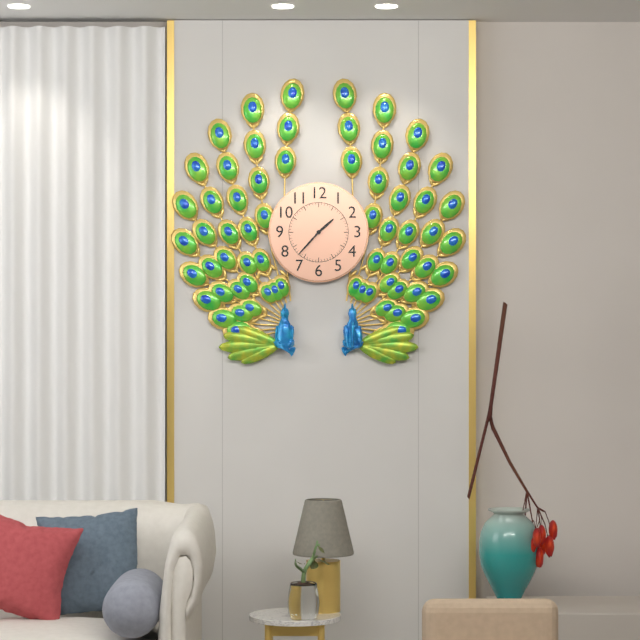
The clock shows 1h37
